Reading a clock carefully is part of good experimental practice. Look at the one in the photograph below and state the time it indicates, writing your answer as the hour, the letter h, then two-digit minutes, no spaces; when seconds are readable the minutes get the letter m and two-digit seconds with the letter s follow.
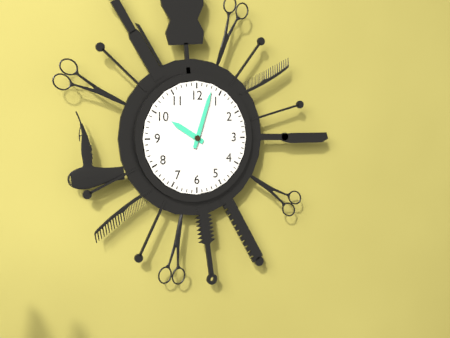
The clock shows 10h03
